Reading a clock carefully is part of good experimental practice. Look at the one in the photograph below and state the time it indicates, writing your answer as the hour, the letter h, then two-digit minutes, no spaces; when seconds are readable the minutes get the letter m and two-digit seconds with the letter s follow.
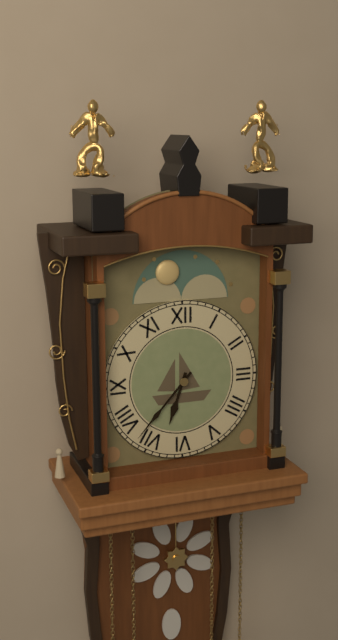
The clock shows 6h37
